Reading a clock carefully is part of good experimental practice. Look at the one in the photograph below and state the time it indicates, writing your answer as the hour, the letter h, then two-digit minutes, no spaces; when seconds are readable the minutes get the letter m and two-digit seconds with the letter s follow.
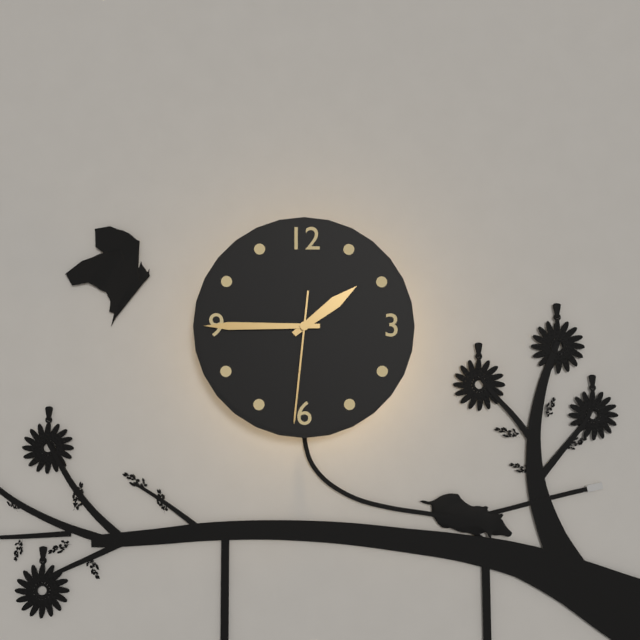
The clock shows 1h45m31s
